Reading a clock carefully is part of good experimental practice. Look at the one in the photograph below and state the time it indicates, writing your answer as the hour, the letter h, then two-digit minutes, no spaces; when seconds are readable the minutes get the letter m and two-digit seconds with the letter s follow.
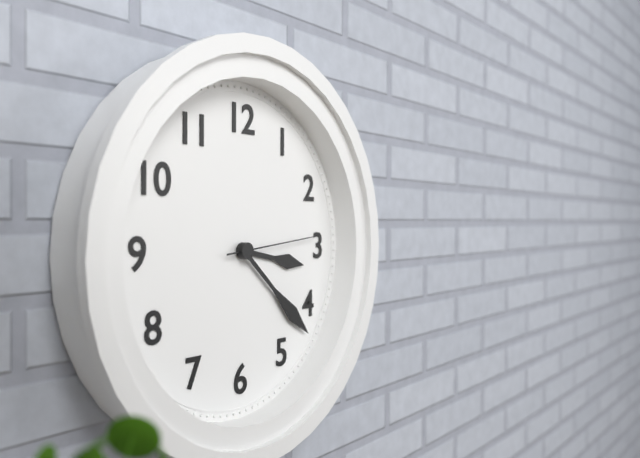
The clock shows 3h22m14s
